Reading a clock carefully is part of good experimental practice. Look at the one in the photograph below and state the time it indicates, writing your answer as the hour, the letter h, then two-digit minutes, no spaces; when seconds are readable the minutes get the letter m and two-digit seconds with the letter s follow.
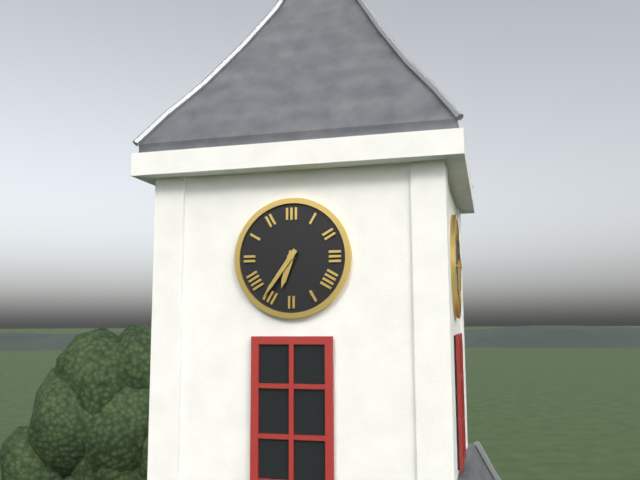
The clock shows 6h36
